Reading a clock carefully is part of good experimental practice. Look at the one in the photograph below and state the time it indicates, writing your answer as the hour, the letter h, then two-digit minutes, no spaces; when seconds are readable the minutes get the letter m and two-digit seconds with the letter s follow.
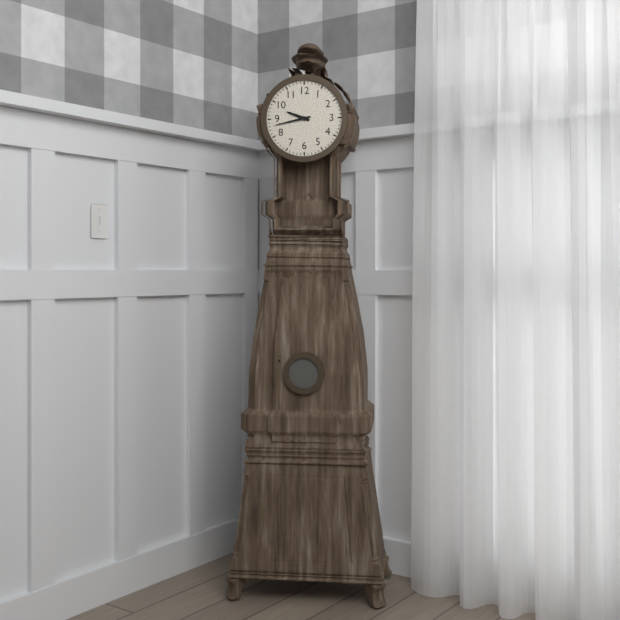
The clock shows 9h43
